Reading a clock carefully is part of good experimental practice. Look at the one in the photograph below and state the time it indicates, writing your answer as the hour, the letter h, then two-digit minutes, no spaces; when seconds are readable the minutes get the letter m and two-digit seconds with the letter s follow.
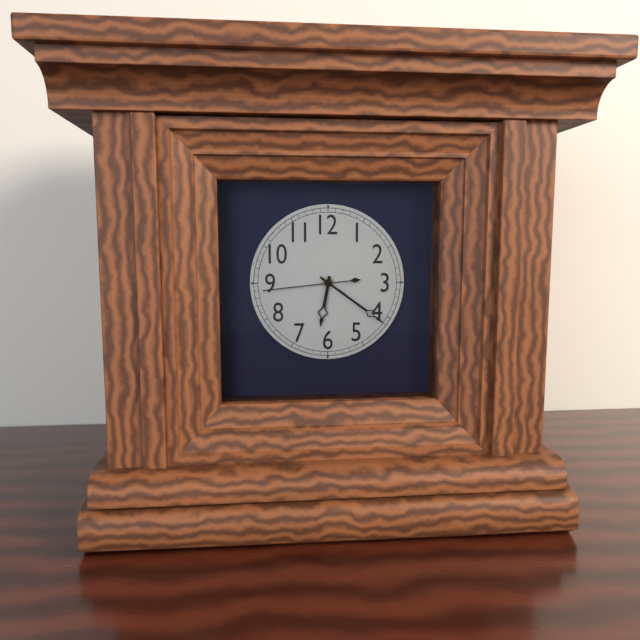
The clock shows 6h21m44s
